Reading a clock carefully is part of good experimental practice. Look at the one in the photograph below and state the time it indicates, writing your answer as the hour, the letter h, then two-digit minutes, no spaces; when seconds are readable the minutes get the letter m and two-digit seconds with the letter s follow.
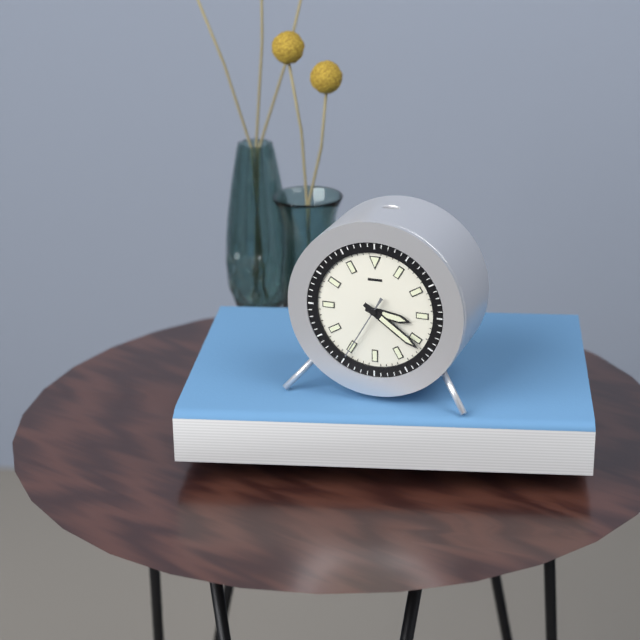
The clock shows 3h21m35s
